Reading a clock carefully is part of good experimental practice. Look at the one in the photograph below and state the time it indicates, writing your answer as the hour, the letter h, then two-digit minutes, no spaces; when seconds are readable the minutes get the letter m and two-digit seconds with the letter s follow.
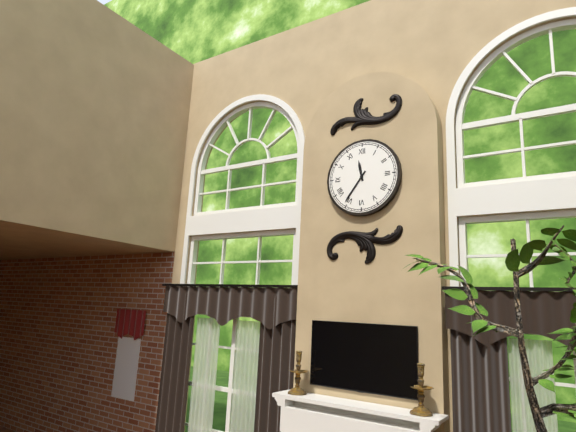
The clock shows 11h36
